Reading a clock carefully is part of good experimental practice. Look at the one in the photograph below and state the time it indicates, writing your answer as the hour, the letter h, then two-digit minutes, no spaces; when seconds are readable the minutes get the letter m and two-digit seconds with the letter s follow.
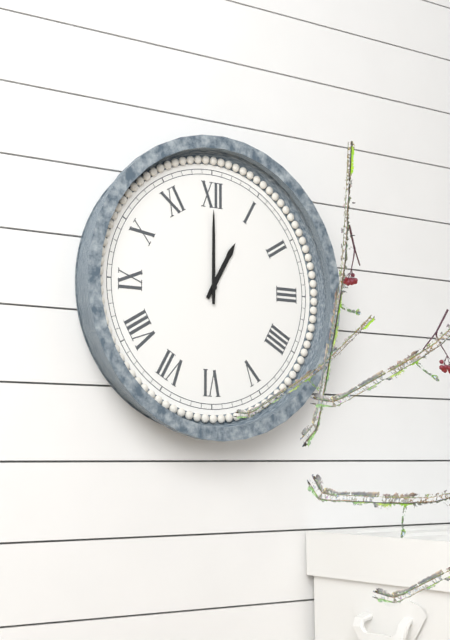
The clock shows 1h00
